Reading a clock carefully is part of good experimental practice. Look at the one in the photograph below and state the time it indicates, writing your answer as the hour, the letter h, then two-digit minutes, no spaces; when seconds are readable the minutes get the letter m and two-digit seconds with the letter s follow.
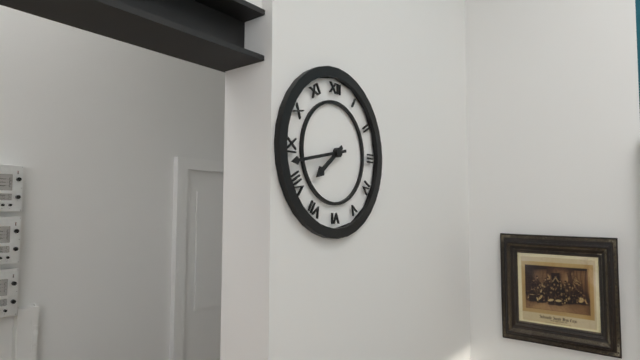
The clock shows 7h43
